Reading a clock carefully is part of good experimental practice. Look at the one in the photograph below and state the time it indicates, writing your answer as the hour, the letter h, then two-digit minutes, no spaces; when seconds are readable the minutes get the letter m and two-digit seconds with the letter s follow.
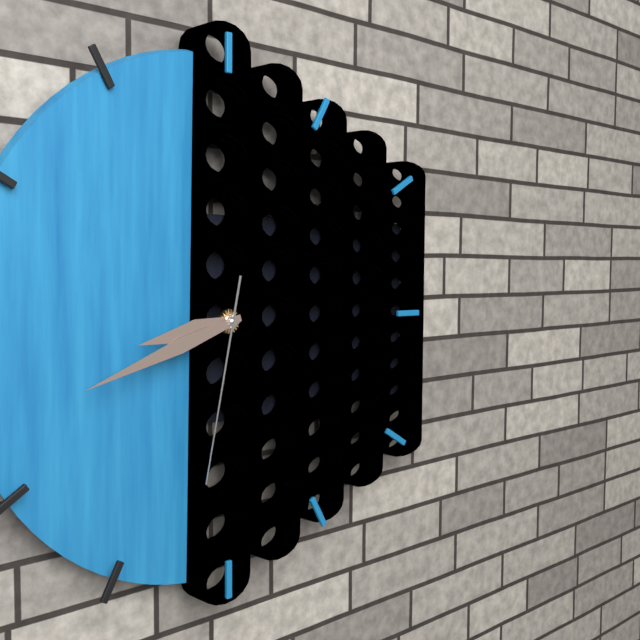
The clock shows 8h42m32s
